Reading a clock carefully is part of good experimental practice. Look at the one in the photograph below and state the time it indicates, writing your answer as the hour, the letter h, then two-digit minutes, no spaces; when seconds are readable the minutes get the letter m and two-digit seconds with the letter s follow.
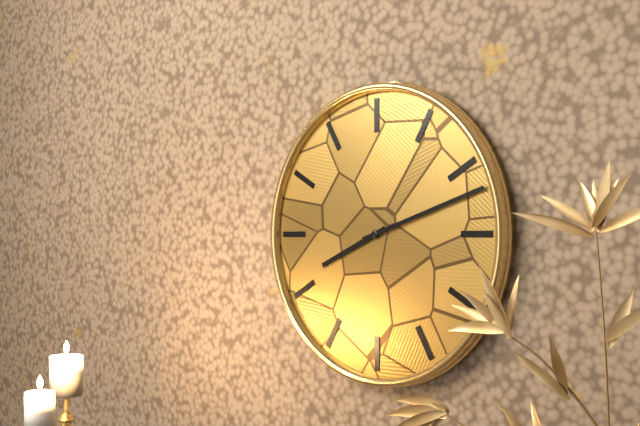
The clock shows 8h12
